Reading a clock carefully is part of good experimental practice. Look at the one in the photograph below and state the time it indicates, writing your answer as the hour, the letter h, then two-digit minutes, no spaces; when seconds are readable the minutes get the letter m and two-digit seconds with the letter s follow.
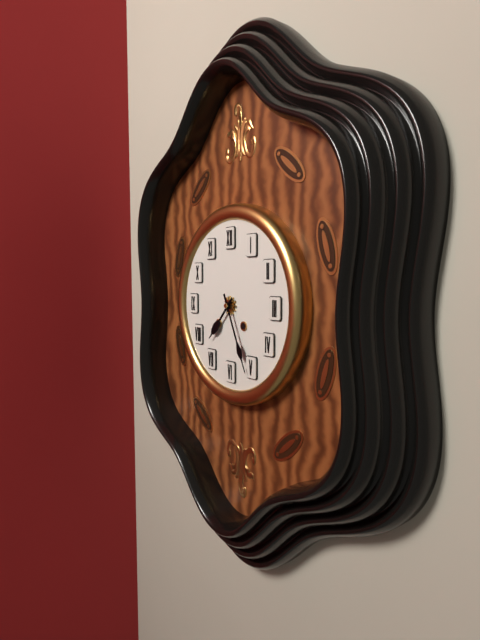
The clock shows 7h26
